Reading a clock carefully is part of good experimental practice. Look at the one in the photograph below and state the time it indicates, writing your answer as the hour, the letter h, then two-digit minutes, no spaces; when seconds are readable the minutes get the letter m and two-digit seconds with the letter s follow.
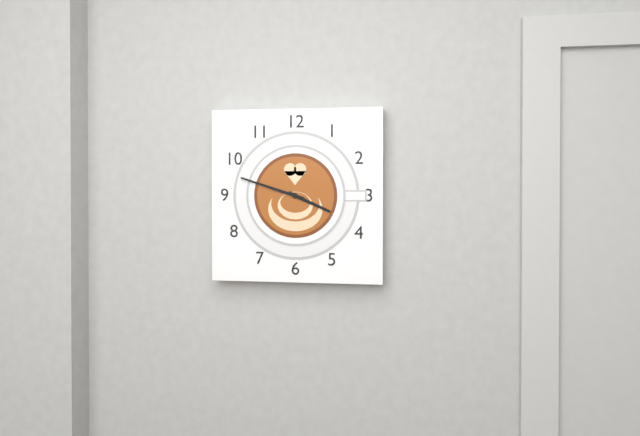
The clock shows 3h48
